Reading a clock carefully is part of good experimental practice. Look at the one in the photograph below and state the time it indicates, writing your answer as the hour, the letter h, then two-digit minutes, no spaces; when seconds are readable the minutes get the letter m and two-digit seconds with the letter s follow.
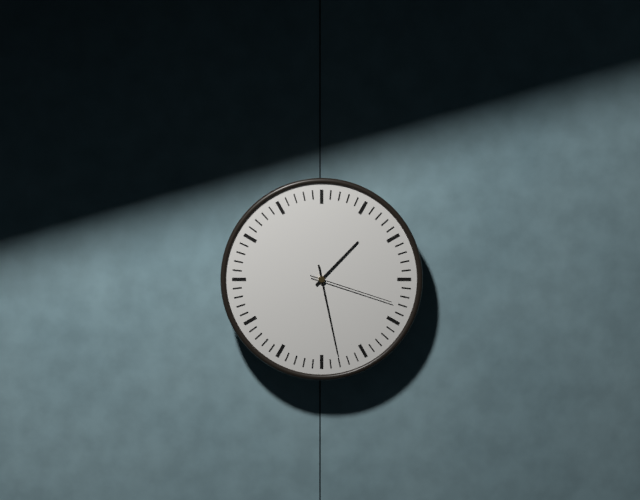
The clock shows 1h28m18s
